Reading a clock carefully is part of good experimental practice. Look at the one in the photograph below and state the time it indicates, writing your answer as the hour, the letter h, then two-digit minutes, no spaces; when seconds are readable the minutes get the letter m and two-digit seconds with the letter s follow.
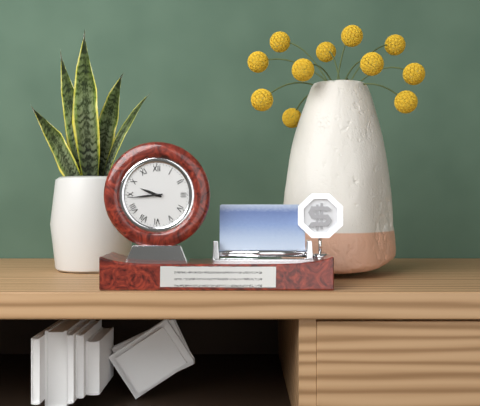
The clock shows 9h44
